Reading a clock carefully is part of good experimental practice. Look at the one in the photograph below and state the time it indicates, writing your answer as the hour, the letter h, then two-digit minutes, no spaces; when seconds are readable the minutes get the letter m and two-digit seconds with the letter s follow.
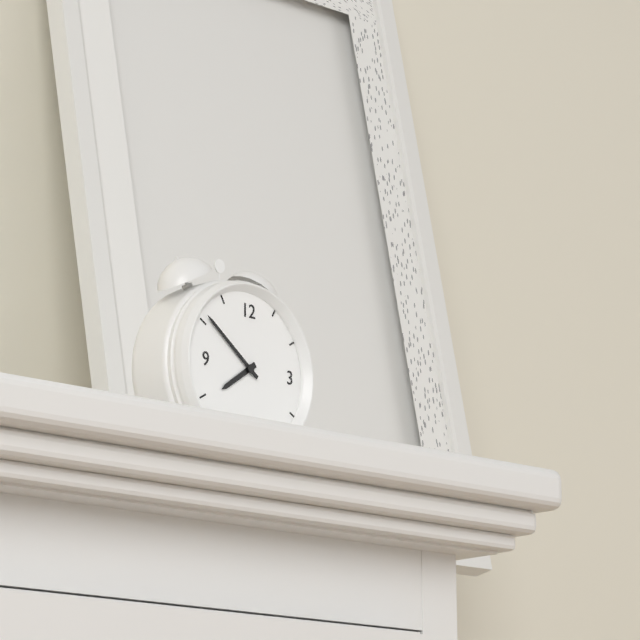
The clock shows 7h51
